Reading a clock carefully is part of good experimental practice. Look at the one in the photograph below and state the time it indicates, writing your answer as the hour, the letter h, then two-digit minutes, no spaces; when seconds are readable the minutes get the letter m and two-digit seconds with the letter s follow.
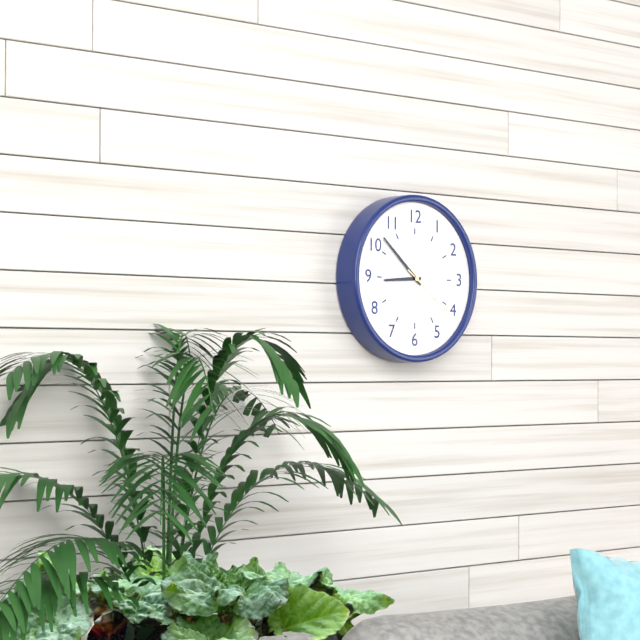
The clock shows 8h52m21s
